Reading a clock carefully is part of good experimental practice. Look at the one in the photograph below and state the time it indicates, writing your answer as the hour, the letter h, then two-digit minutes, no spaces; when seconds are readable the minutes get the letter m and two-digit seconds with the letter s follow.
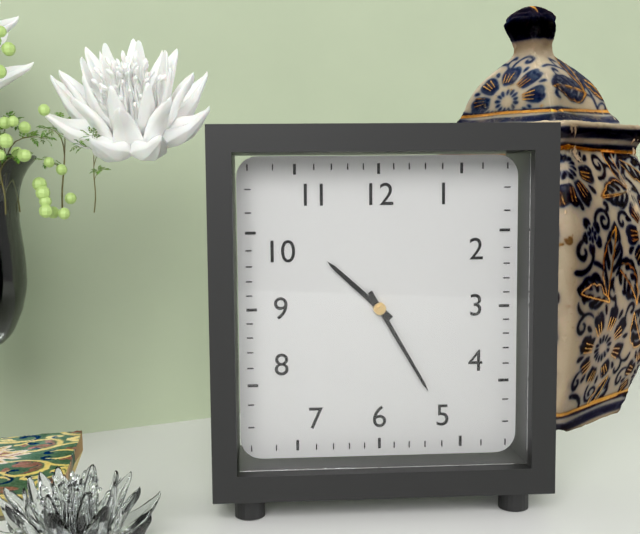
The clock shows 10h25
